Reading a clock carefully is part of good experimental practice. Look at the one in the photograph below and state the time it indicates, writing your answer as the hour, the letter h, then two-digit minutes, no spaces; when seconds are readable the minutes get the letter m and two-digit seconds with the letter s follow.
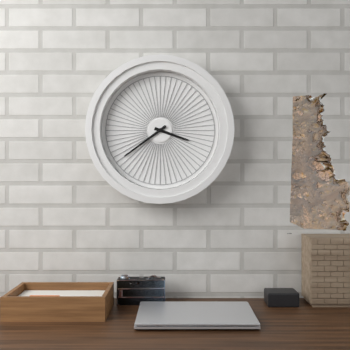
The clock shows 3h39
